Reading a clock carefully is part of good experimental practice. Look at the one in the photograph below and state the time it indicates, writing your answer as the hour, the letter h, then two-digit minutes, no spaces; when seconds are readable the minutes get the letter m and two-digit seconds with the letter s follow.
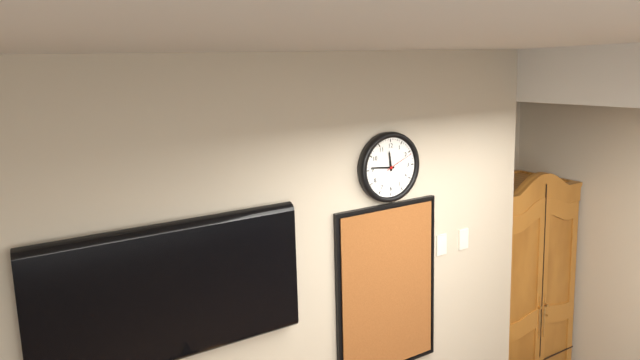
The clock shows 11h46
